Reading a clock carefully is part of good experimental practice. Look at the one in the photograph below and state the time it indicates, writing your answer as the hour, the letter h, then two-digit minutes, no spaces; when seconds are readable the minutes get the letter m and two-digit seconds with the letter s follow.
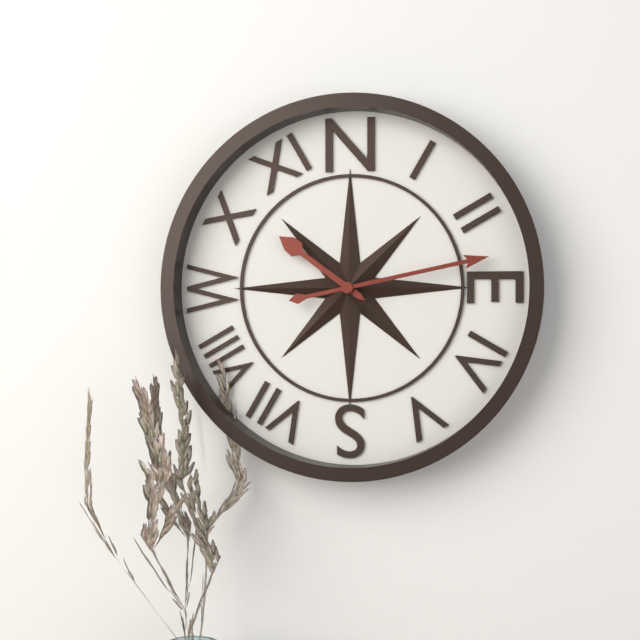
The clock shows 10h13
